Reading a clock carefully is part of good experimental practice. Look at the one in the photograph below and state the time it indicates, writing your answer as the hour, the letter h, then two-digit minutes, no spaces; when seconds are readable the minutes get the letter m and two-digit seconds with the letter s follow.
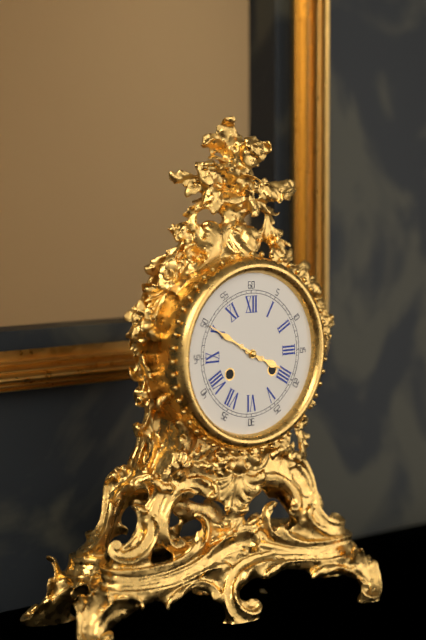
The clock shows 3h50
